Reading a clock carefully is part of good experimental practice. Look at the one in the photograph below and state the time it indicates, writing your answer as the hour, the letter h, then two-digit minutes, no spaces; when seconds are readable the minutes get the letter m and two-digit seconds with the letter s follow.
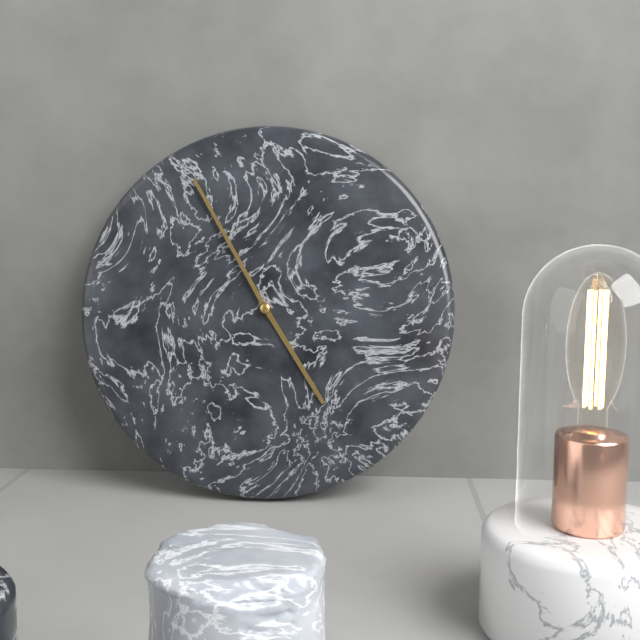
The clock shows 4h55
